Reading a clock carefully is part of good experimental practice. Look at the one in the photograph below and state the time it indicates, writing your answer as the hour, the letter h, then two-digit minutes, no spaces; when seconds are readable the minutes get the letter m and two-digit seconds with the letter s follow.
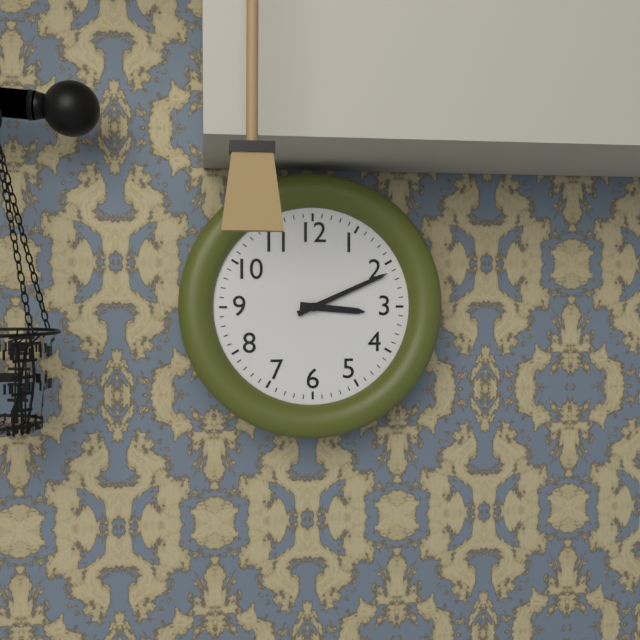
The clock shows 3h11
